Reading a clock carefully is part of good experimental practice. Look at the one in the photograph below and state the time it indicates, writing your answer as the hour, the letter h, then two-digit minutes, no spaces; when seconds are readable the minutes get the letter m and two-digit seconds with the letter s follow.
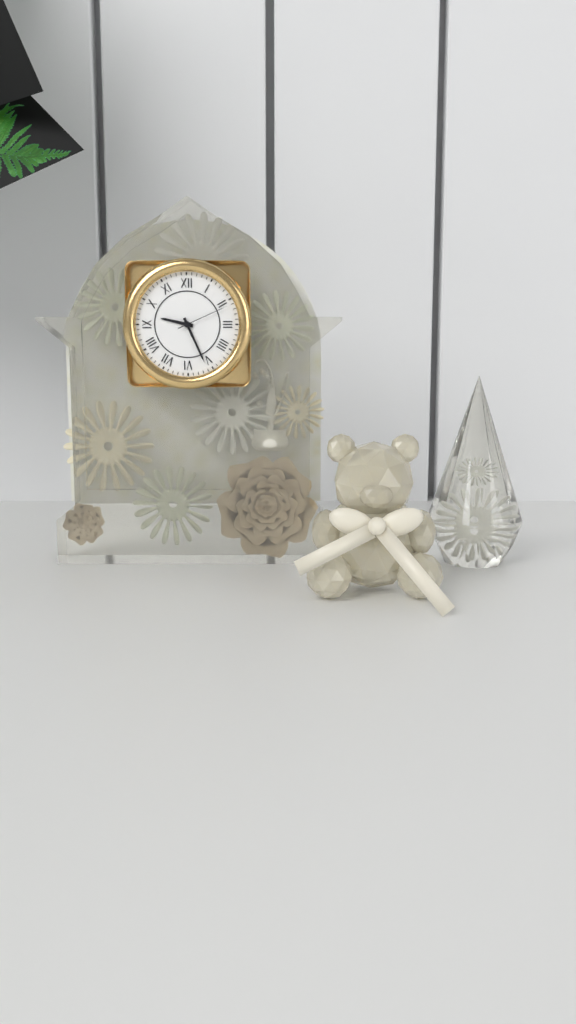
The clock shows 9h26m11s
